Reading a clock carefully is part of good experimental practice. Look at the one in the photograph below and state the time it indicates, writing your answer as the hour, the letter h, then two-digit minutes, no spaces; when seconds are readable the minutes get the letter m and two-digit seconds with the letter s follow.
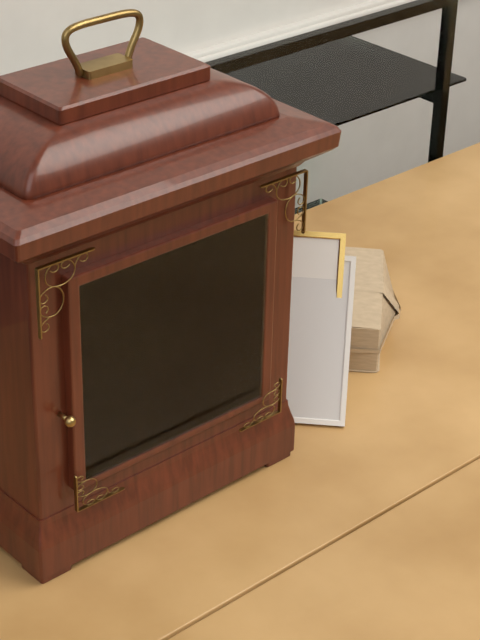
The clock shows 9h32
